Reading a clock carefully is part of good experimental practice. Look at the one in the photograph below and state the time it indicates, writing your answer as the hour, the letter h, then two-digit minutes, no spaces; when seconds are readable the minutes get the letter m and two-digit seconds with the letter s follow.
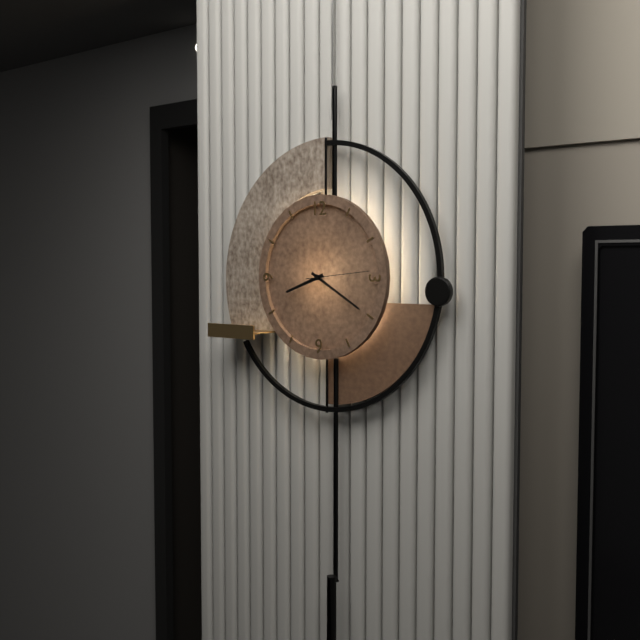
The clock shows 8h20m14s
